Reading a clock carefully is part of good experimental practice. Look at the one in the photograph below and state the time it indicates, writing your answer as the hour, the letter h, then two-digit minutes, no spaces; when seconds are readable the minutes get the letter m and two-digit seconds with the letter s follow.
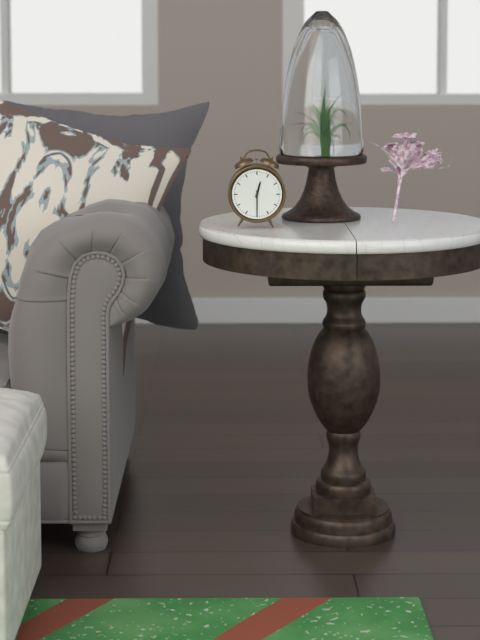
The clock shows 12h30
